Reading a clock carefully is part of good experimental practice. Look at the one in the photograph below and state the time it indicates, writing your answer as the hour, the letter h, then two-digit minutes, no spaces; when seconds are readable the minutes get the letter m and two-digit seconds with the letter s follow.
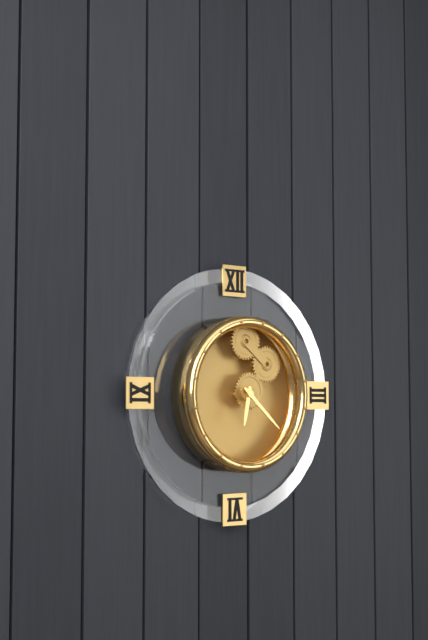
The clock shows 6h22
